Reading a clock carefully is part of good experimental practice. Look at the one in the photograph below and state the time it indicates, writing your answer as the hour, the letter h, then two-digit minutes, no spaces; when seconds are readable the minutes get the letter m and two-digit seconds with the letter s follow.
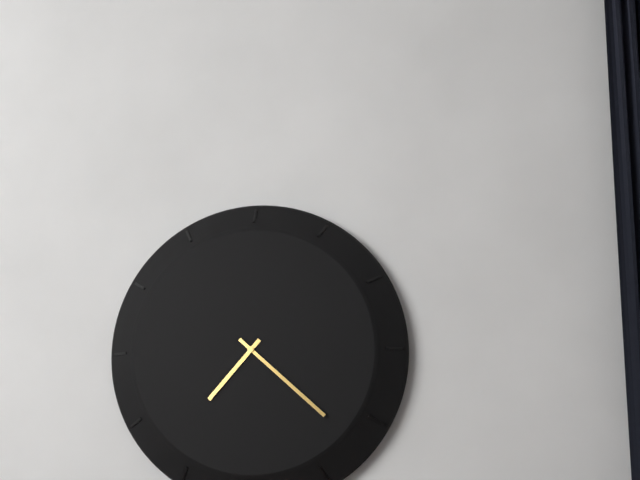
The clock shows 7h22
